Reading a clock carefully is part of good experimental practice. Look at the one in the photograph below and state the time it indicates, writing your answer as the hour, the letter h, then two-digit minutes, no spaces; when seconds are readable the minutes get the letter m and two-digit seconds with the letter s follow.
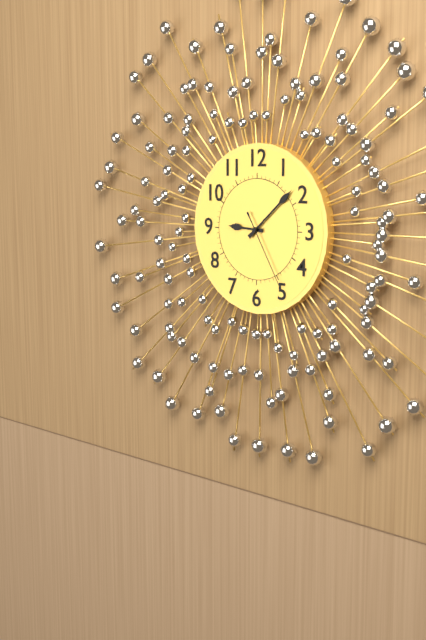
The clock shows 9h08m25s
